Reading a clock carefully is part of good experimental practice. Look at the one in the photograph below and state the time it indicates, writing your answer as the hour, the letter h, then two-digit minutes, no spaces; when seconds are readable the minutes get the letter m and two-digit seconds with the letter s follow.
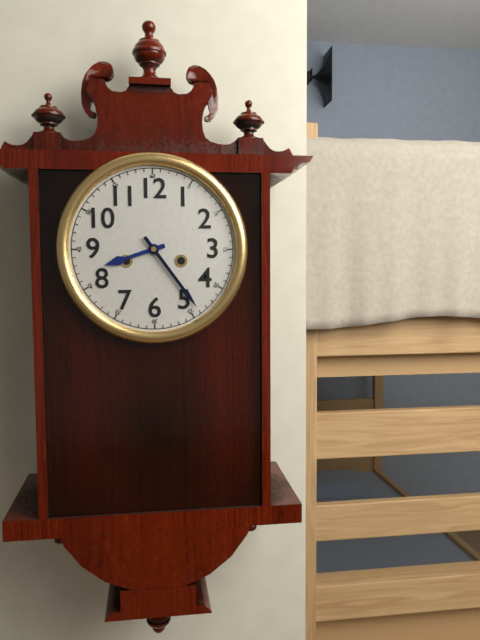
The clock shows 8h24
